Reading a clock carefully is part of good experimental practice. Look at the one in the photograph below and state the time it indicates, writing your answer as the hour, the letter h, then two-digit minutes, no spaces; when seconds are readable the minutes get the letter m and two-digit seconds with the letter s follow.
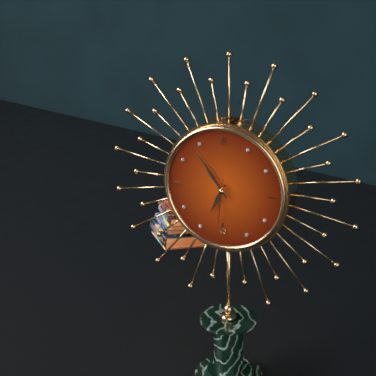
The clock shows 6h54m31s
